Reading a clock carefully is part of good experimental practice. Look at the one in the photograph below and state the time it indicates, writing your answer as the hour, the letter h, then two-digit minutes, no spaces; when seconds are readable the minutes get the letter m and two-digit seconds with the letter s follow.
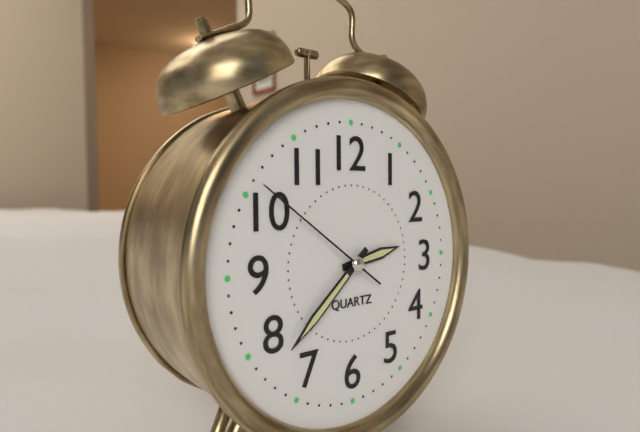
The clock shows 2h38m51s
